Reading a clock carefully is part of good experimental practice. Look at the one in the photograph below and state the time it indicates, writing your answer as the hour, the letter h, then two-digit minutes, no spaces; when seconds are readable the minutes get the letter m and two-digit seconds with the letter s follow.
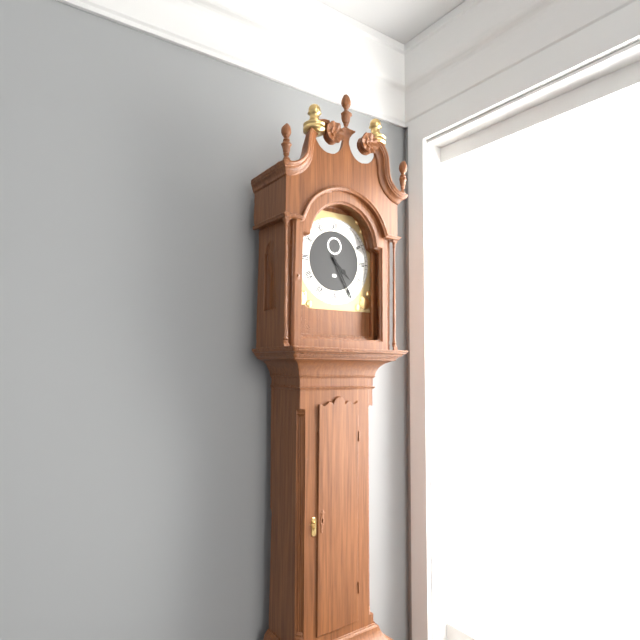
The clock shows 4h25
